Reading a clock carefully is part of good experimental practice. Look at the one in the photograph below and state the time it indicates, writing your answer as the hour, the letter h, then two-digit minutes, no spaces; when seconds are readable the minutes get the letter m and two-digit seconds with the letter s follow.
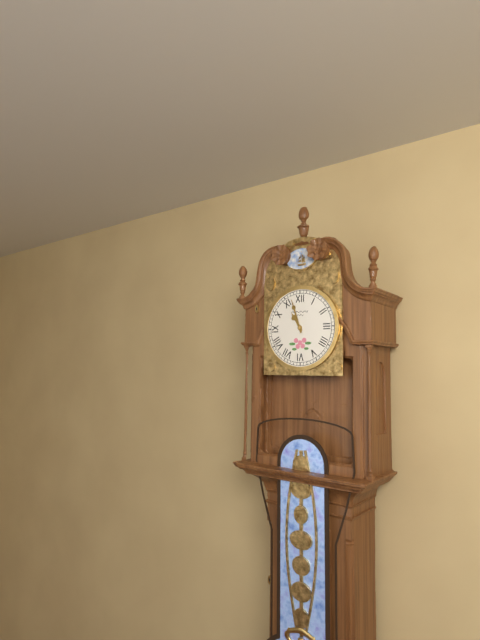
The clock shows 10h57
